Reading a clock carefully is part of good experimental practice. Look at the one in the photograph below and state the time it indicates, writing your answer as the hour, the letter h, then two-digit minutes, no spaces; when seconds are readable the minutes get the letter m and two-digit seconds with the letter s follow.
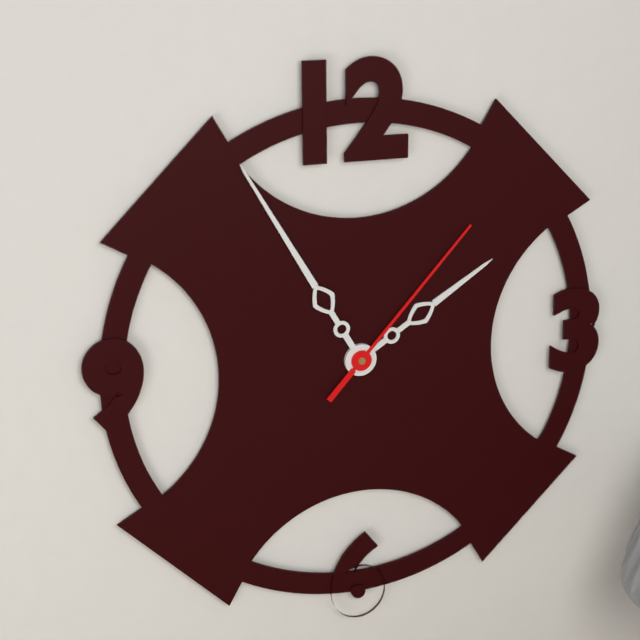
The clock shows 1h55m07s
